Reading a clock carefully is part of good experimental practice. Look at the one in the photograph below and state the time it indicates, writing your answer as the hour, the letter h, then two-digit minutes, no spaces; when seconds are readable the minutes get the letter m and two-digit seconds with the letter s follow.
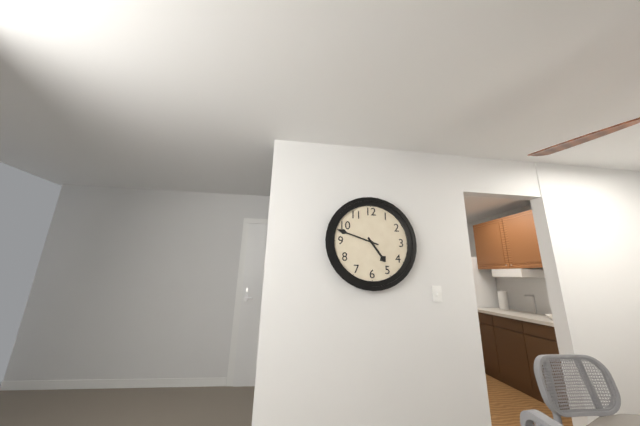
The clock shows 4h48
